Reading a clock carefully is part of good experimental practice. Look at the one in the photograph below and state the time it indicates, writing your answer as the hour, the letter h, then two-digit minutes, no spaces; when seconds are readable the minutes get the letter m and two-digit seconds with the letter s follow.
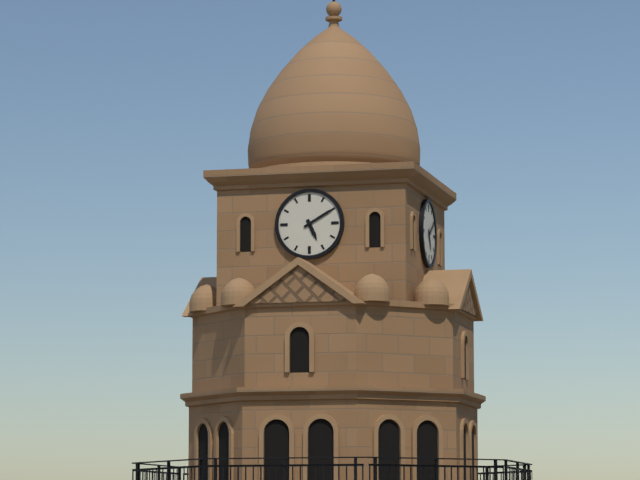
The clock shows 5h10
